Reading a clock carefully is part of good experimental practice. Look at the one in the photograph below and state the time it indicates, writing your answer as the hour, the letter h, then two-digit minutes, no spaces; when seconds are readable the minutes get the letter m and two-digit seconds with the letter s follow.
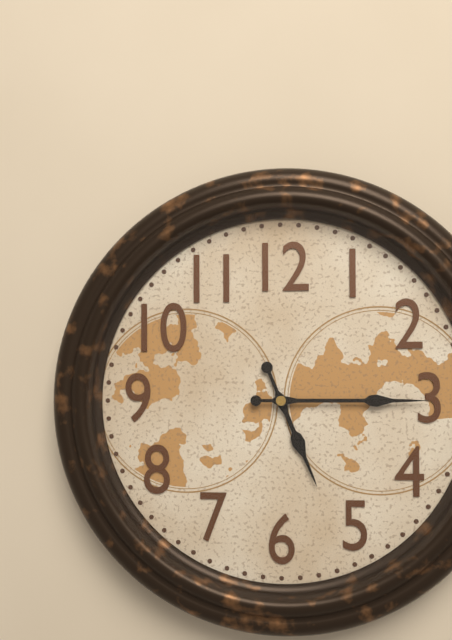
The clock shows 5h15
